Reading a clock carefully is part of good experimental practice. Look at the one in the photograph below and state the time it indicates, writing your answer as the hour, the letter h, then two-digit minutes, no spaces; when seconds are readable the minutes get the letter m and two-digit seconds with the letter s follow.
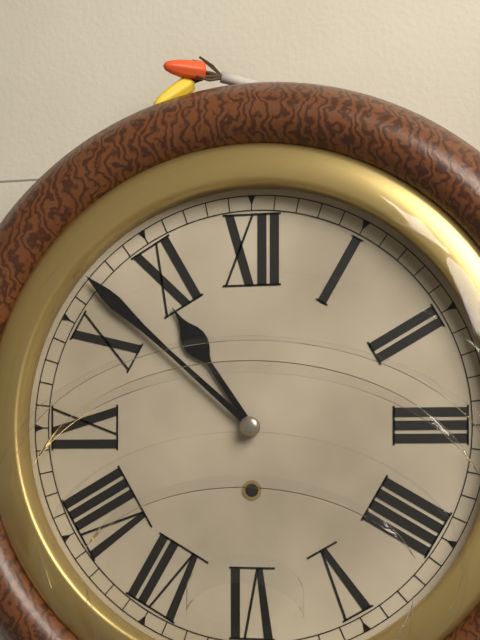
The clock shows 10h52
